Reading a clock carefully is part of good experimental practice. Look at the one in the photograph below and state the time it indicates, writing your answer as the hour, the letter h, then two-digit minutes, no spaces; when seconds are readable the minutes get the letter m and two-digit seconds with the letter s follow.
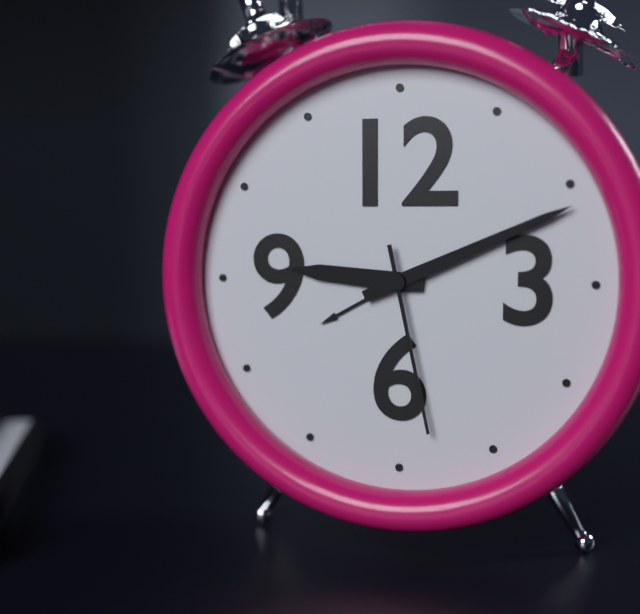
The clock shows 9h11m28s
